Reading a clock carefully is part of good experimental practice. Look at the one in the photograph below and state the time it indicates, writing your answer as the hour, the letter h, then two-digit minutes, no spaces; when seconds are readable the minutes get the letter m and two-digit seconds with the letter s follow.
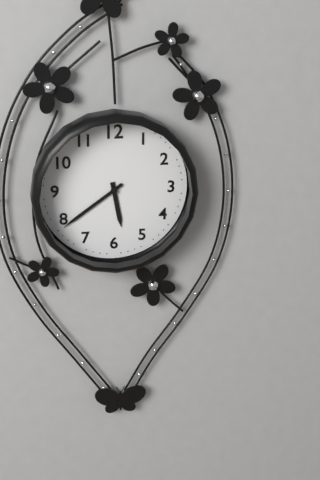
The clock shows 5h39
